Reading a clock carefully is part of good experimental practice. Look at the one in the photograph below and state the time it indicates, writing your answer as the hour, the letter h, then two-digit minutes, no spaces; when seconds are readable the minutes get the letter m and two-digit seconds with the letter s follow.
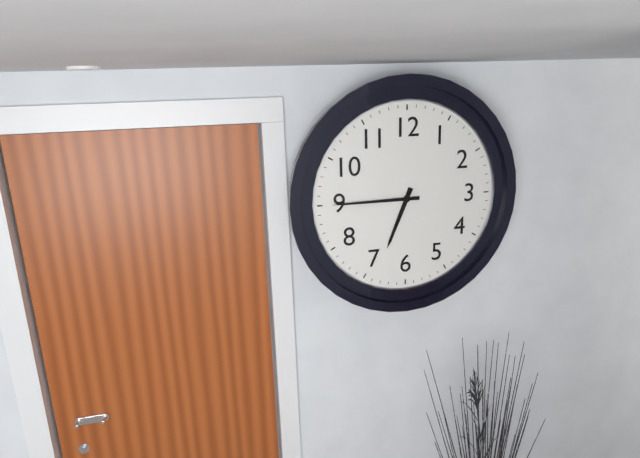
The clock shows 6h45
